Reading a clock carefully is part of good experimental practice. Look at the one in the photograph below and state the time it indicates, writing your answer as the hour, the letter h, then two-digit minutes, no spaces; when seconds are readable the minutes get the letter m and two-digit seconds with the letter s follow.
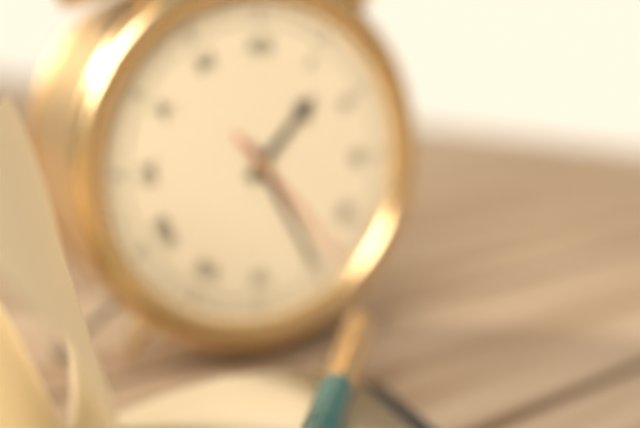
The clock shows 1h25m23s
